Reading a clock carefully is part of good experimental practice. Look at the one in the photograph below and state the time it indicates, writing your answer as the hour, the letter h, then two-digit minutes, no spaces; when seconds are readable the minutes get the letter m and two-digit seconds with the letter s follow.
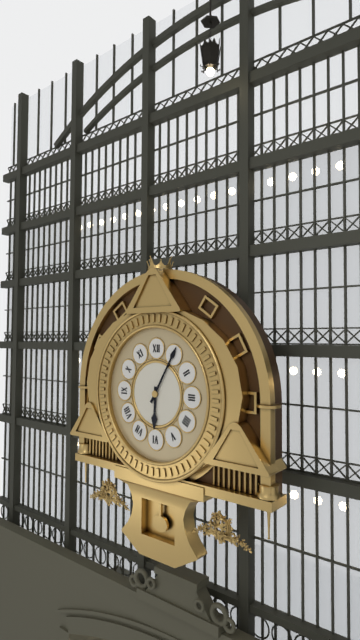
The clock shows 6h05
